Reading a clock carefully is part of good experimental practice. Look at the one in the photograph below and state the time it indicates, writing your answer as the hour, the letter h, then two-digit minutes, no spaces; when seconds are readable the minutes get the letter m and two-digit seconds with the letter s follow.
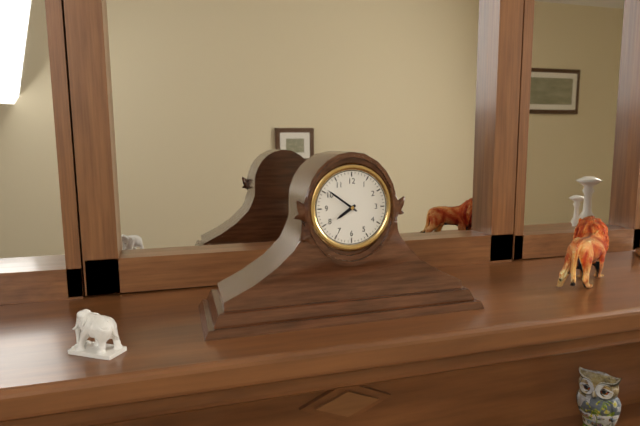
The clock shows 7h51
